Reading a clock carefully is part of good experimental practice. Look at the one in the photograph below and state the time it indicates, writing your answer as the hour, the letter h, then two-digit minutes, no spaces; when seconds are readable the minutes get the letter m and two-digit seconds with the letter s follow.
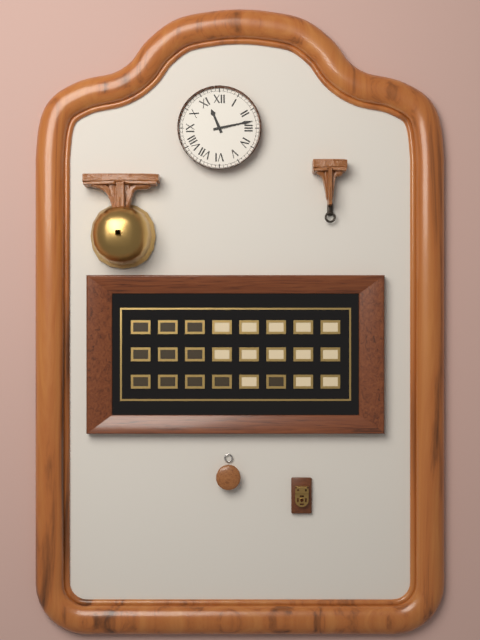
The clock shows 11h13
